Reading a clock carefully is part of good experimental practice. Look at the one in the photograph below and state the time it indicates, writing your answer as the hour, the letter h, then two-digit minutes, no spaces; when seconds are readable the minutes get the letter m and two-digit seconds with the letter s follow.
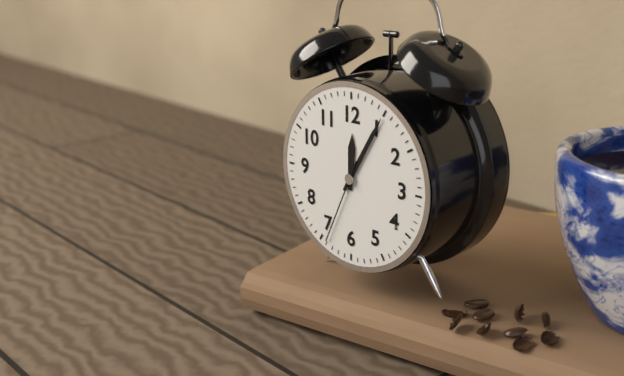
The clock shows 12h05m34s
